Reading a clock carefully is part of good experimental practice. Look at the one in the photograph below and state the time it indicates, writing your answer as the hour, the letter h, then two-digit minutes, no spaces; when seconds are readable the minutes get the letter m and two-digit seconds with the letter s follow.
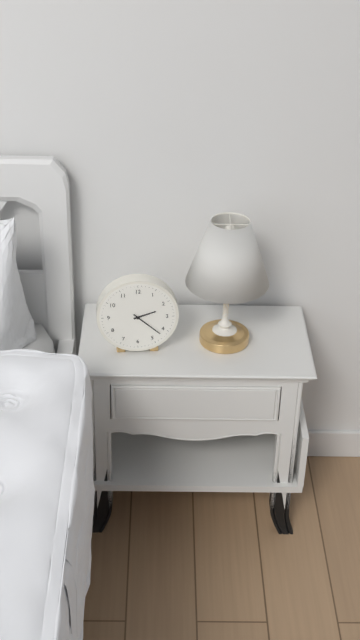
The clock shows 2h22
